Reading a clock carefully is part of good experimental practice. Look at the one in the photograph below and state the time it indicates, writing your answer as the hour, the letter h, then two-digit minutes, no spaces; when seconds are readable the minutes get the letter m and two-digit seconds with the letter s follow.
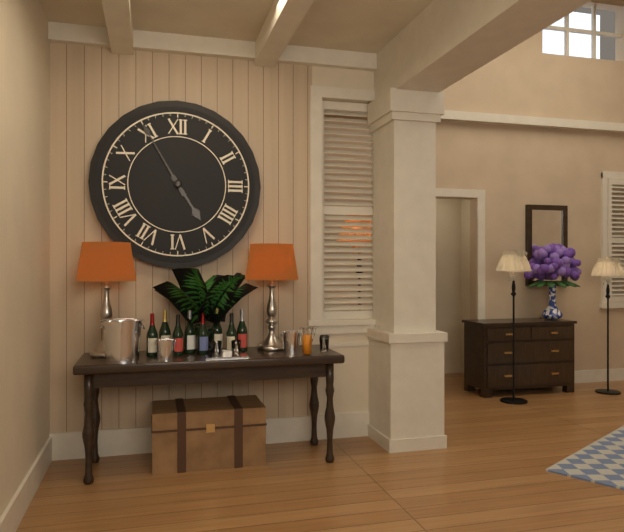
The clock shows 4h55
